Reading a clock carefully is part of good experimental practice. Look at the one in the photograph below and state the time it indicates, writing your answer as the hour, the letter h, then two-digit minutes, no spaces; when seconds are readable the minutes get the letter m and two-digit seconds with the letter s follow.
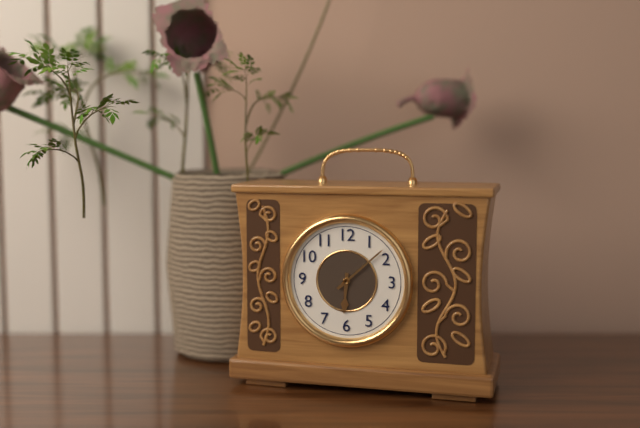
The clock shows 6h08
